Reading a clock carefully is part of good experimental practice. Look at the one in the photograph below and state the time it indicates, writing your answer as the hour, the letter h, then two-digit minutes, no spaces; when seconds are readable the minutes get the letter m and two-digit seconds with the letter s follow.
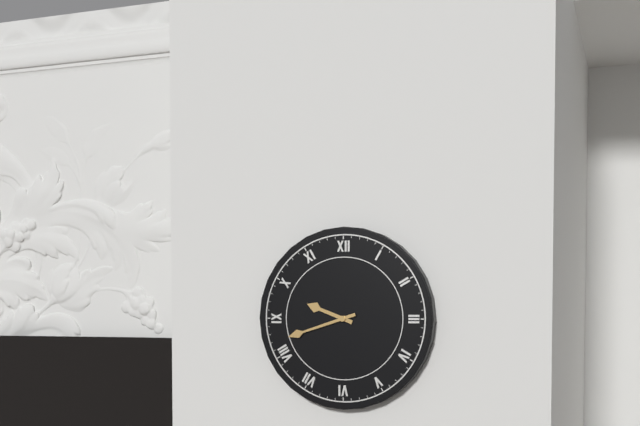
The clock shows 9h42
